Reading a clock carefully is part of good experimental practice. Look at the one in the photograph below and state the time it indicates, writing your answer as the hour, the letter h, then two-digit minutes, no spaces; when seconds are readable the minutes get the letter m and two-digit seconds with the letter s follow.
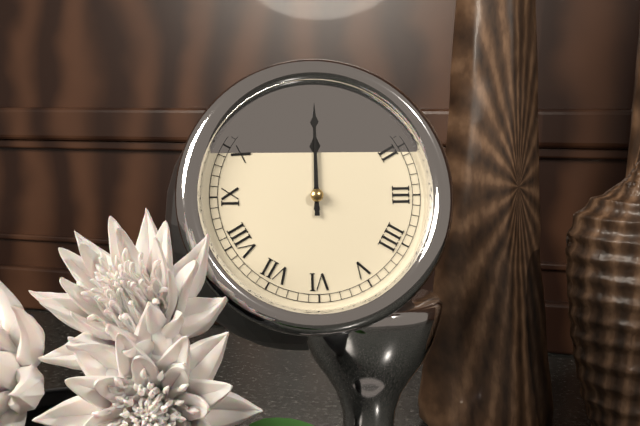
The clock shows 12h00
